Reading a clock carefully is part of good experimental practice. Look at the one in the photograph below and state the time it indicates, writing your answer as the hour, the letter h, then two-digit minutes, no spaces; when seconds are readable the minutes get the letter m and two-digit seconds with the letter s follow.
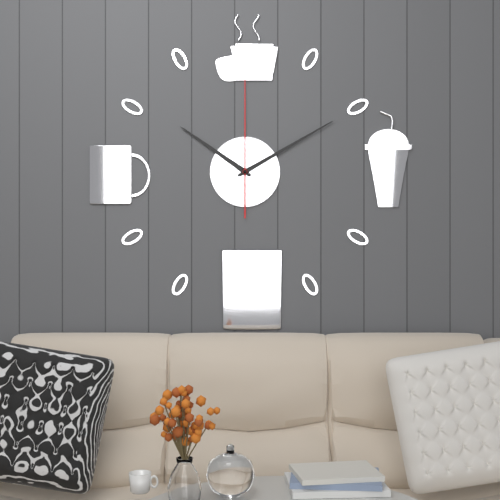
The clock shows 10h10m00s
